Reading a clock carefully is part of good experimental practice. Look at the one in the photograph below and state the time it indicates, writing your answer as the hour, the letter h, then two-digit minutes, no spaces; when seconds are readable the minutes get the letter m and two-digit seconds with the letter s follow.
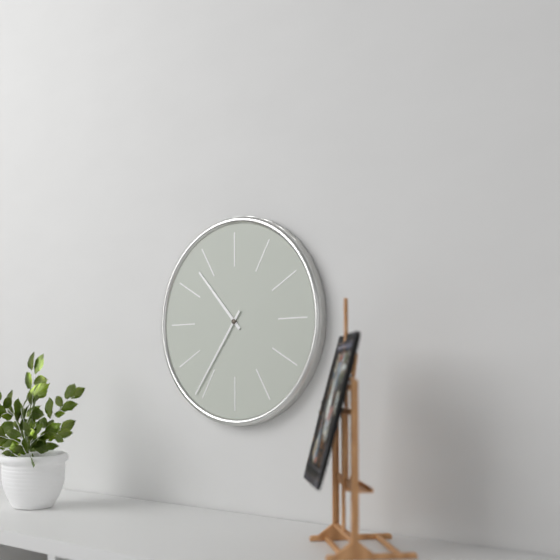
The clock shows 10h36
